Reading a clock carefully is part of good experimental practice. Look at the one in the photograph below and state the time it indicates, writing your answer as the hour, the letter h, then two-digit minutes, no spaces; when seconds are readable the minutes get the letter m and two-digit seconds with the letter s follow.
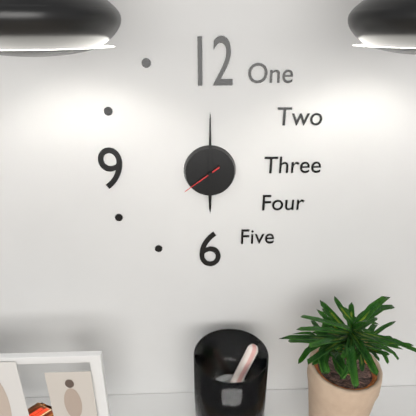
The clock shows 6h00
